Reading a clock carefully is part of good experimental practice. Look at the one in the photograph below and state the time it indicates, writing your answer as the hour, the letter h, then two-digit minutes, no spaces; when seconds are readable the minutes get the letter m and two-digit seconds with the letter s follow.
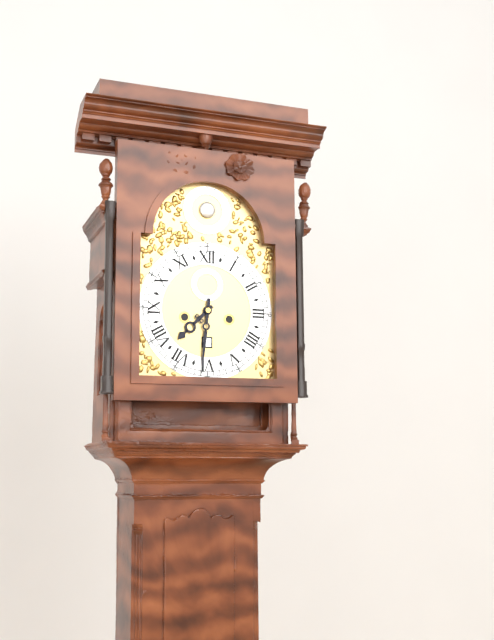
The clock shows 7h31
